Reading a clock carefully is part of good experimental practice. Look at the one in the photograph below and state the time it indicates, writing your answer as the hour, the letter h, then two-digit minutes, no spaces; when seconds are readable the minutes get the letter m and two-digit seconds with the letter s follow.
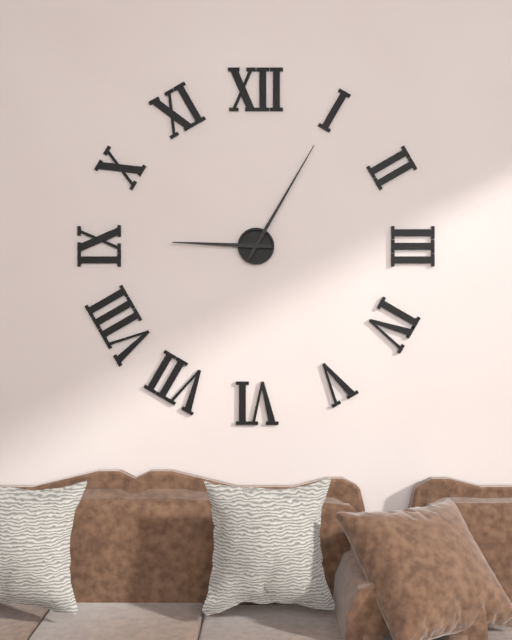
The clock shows 9h05
